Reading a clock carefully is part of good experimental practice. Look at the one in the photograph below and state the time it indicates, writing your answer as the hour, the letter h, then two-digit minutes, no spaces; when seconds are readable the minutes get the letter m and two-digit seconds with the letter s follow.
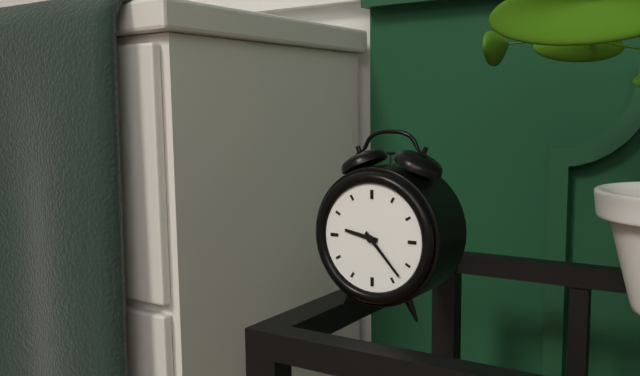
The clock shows 9h23
